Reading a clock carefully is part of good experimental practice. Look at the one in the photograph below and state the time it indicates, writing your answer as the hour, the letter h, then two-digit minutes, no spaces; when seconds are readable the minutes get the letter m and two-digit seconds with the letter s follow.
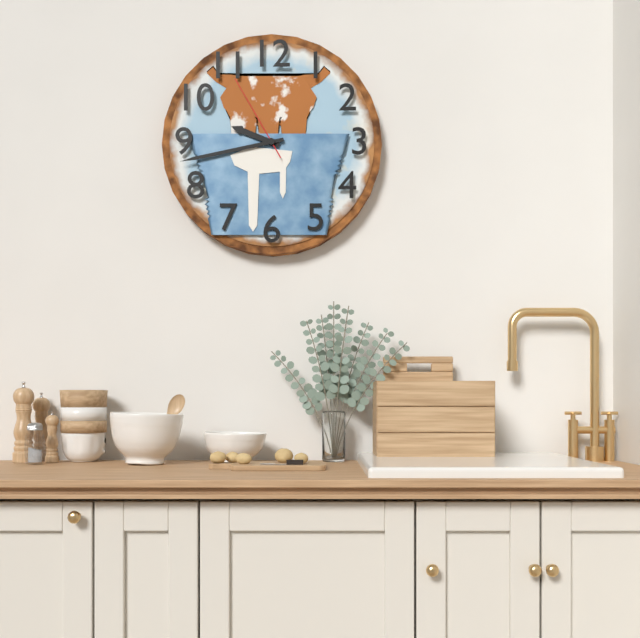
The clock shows 9h43m55s
